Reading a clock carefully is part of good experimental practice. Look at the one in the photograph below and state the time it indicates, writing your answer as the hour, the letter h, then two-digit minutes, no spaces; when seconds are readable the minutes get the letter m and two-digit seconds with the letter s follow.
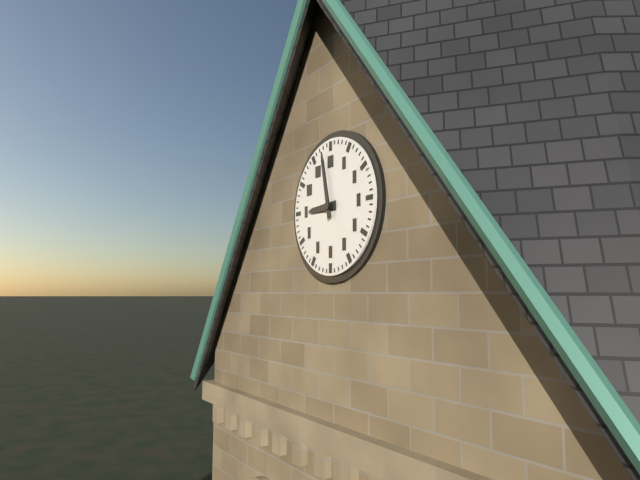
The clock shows 8h58
